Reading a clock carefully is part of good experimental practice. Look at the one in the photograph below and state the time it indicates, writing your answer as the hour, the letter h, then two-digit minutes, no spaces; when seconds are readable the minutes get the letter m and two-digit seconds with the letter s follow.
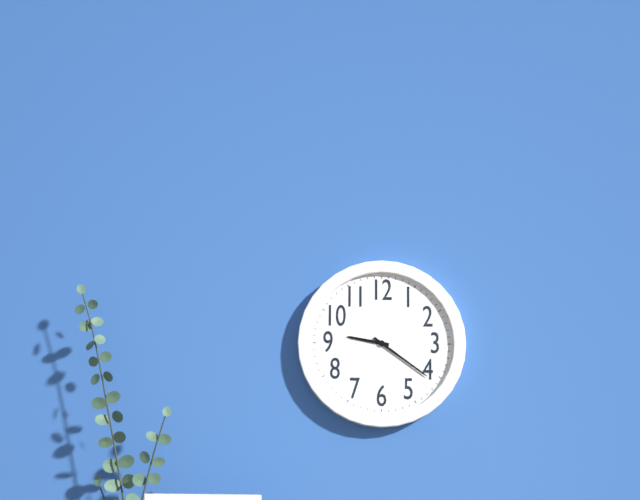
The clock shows 9h21
